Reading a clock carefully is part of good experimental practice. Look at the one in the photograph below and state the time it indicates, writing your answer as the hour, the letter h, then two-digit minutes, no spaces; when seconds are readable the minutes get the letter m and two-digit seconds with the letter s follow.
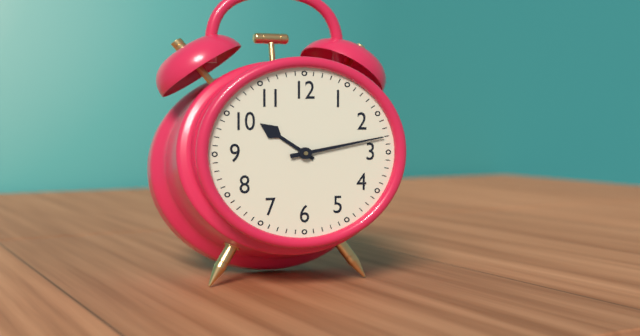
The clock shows 10h13
